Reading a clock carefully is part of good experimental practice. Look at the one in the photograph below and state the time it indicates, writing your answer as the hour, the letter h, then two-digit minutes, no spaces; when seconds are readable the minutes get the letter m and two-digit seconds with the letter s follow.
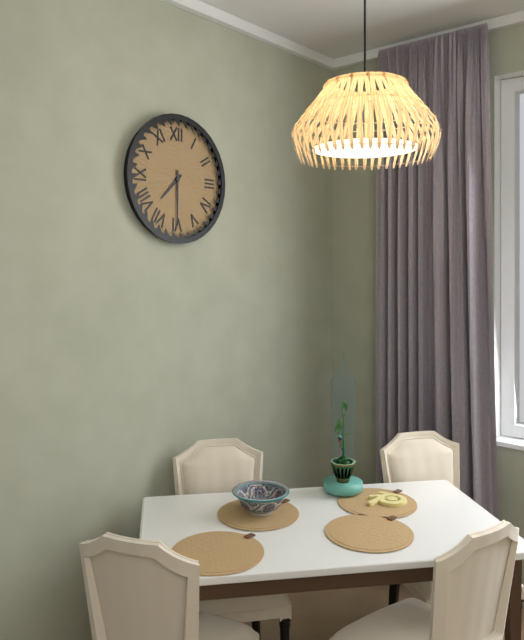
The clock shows 7h30
